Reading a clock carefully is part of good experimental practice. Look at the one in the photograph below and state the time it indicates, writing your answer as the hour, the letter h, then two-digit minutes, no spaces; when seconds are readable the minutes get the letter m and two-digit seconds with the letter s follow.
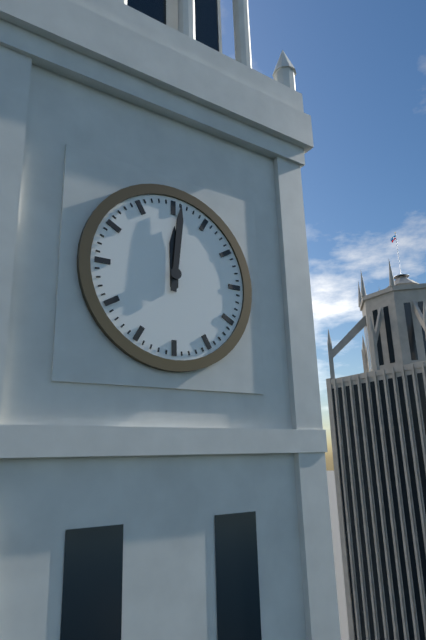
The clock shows 12h01
